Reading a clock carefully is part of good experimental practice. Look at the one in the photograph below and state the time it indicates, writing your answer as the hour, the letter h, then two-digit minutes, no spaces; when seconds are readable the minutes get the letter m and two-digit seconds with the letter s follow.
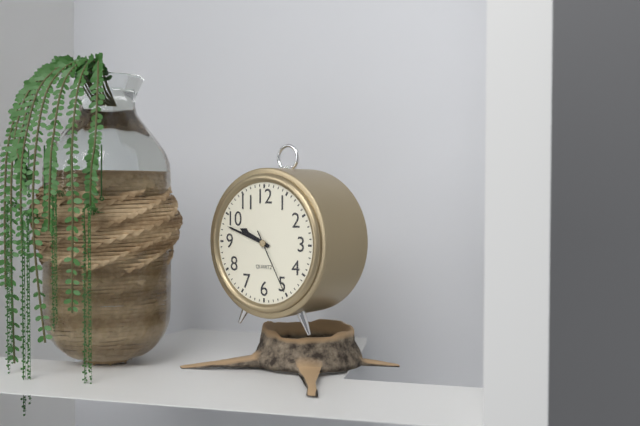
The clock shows 9h48m25s
